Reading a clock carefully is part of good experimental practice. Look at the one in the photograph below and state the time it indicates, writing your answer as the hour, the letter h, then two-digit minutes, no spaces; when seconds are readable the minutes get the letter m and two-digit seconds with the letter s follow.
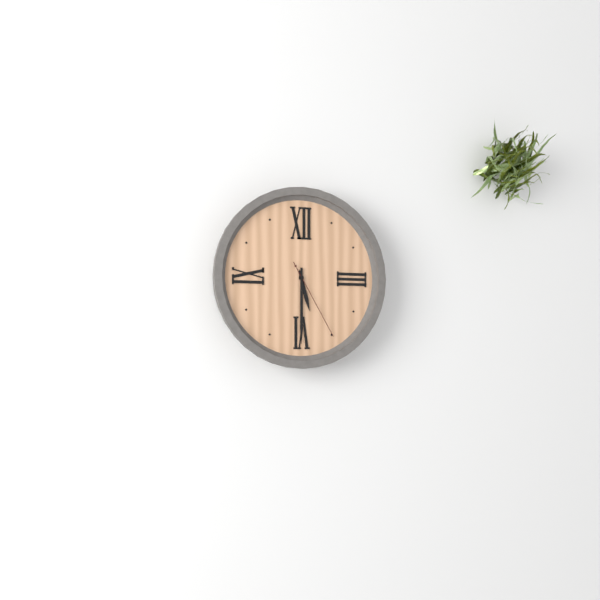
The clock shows 5h30m25s
